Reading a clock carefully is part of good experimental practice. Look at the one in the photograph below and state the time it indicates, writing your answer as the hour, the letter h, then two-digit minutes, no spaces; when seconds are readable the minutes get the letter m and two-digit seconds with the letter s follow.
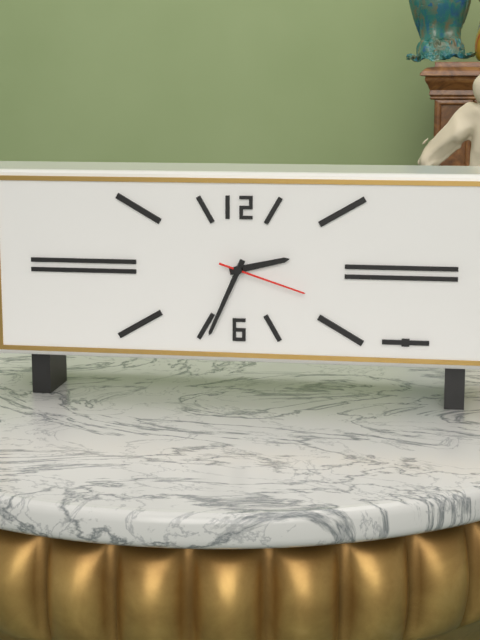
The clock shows 2h34m18s
